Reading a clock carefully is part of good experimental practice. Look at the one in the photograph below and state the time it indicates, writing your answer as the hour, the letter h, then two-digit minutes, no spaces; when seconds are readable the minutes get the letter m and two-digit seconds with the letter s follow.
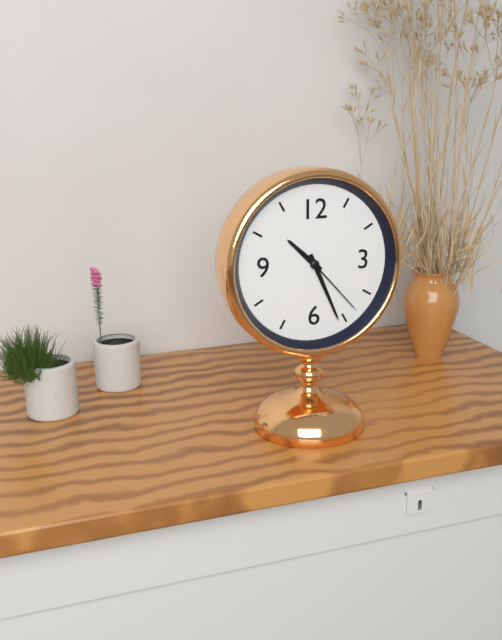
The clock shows 10h26m23s
